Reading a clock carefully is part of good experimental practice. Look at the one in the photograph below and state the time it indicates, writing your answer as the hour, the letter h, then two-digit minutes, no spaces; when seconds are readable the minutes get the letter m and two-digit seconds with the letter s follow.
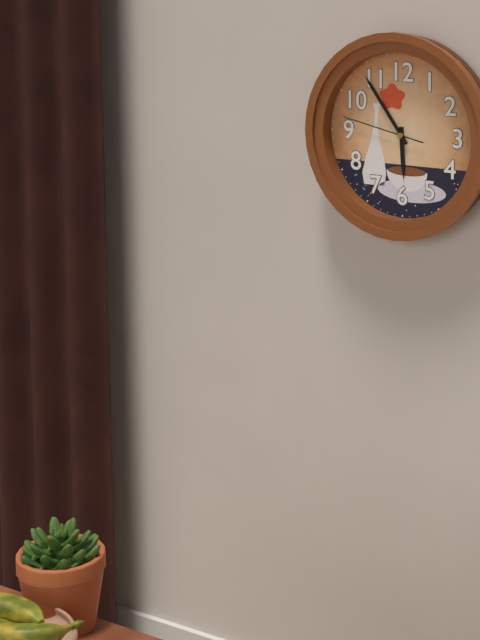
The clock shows 5h54m47s
